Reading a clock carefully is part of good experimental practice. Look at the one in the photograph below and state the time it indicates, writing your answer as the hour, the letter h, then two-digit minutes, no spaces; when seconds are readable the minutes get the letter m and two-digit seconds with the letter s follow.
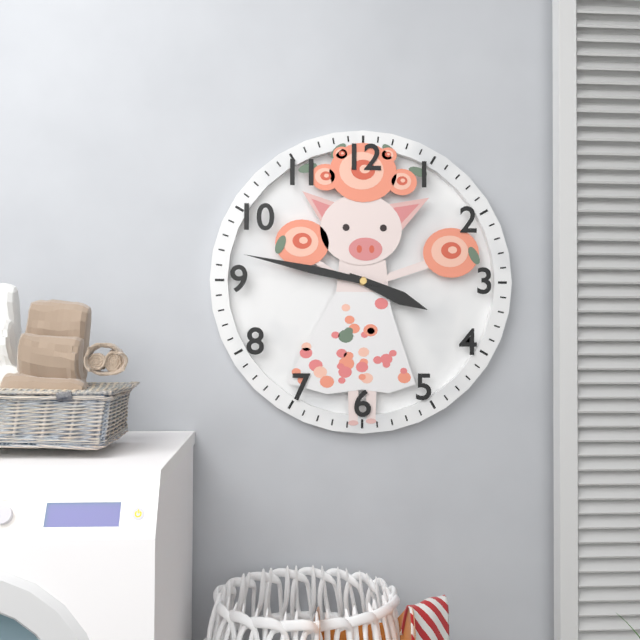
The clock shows 3h47
